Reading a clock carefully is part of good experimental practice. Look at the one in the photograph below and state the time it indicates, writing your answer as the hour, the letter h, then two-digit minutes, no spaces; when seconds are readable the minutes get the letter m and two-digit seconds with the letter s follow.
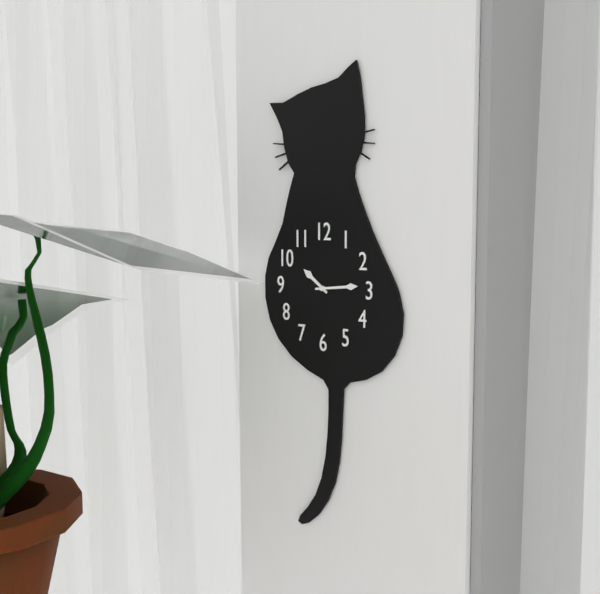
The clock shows 10h14
